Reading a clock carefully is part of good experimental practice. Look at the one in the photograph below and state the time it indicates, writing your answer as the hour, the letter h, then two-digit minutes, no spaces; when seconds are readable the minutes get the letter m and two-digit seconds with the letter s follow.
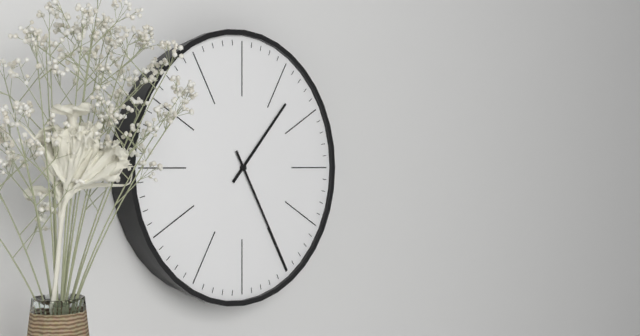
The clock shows 1h25
